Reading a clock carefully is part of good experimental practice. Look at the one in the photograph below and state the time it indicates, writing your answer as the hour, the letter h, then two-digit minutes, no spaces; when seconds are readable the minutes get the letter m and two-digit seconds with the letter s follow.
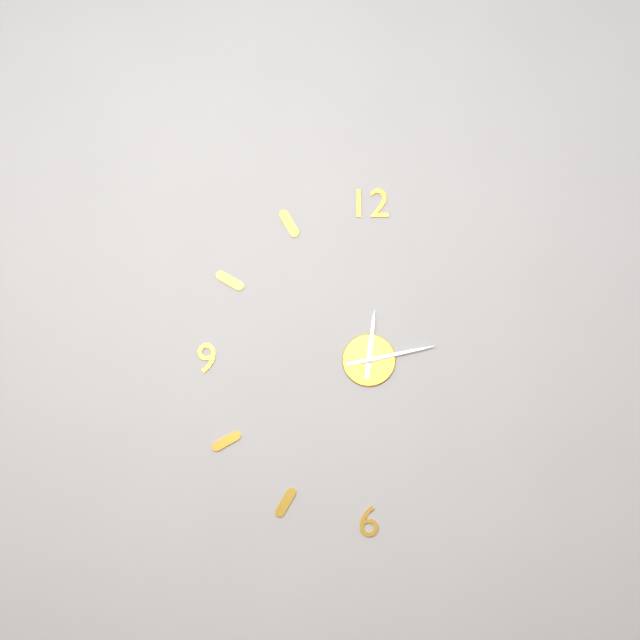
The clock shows 12h13
